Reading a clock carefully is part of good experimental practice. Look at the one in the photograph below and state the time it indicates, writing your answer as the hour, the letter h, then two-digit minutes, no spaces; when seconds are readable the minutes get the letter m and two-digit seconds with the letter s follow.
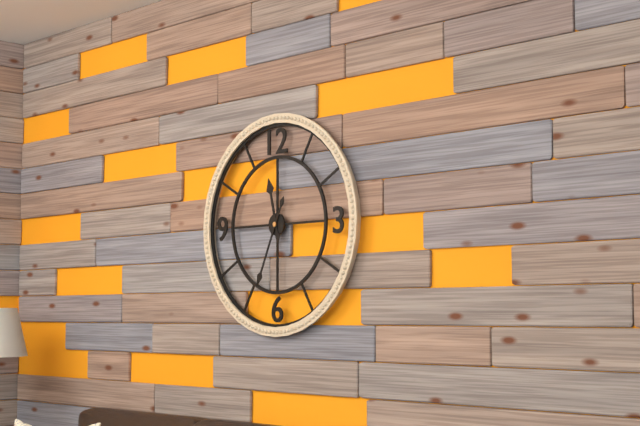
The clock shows 11h34
